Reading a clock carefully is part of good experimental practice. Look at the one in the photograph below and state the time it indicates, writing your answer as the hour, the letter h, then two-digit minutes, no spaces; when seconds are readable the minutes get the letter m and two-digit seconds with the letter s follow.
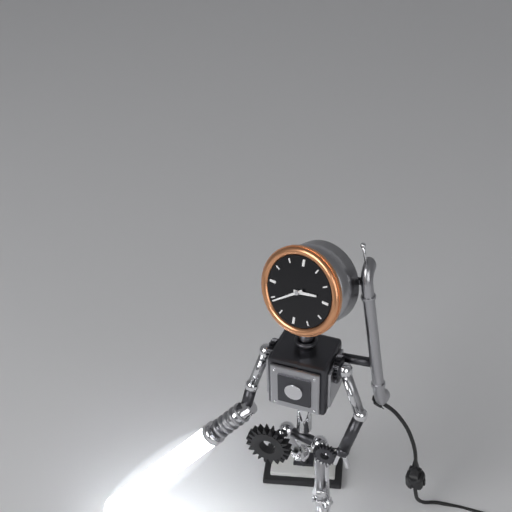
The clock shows 2h39
